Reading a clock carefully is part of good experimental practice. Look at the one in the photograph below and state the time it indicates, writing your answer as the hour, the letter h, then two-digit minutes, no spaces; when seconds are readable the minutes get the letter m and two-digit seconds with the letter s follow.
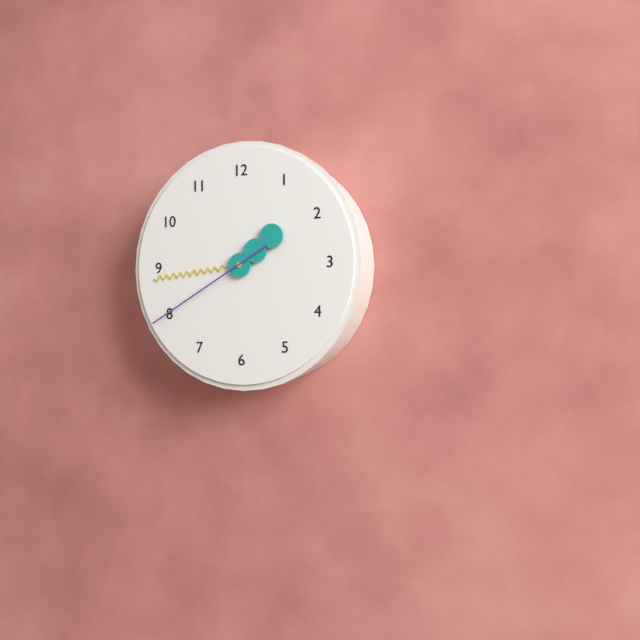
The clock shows 1h44m40s
